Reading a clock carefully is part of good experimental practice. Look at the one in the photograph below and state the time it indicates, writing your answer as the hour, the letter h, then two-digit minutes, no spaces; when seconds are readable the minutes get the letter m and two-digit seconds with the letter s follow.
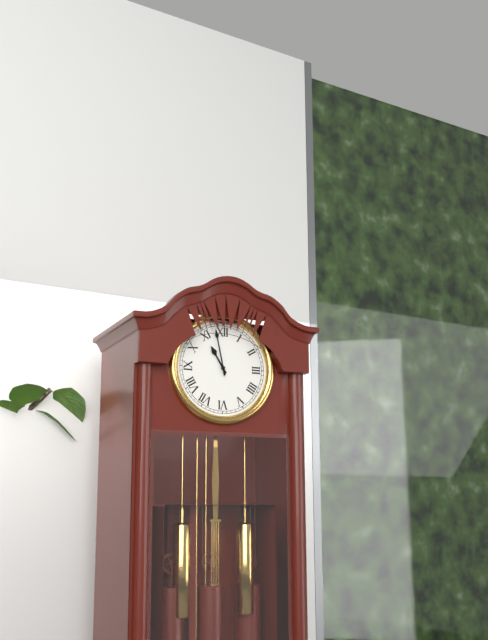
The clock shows 10h58
